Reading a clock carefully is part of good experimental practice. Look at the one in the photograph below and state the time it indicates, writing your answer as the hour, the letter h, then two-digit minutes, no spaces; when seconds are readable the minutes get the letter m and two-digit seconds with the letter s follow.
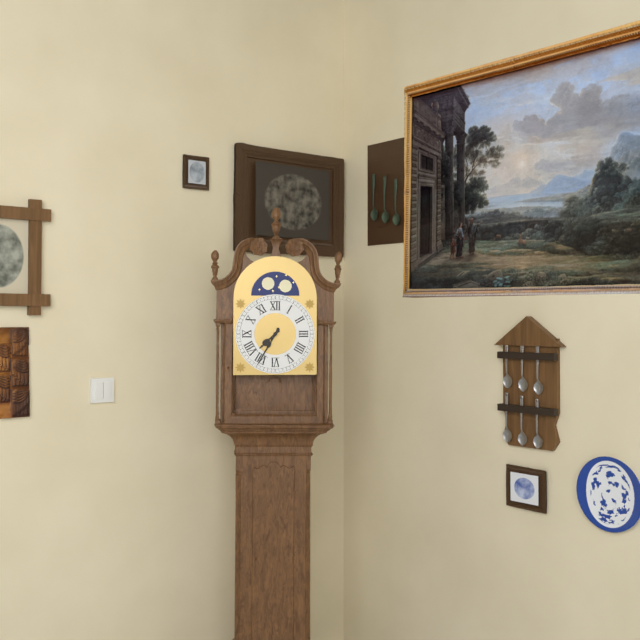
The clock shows 7h35
